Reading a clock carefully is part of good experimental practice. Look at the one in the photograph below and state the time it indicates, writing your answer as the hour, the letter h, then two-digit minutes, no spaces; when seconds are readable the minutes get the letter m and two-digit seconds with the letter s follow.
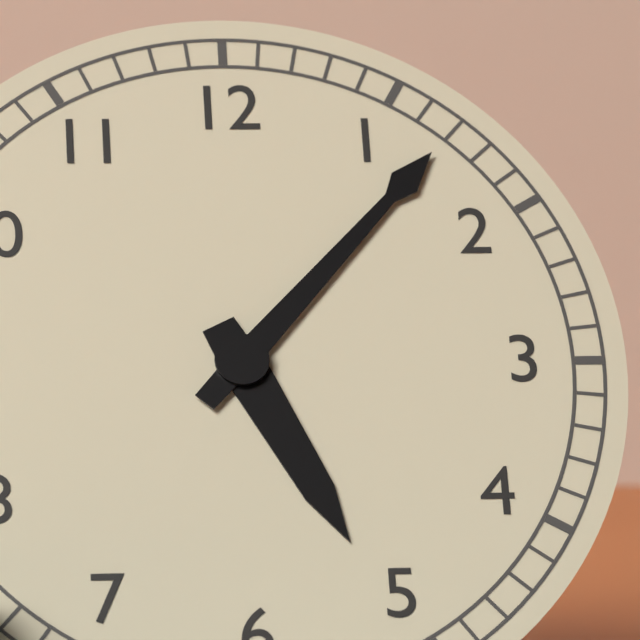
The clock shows 5h07
